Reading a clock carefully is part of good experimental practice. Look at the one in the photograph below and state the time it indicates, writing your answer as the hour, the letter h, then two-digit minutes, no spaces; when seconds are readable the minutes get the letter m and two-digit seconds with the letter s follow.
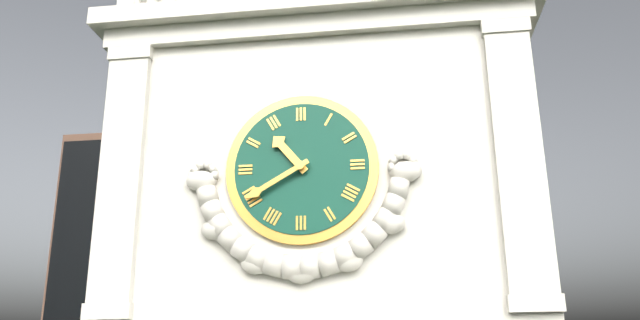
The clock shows 10h40
